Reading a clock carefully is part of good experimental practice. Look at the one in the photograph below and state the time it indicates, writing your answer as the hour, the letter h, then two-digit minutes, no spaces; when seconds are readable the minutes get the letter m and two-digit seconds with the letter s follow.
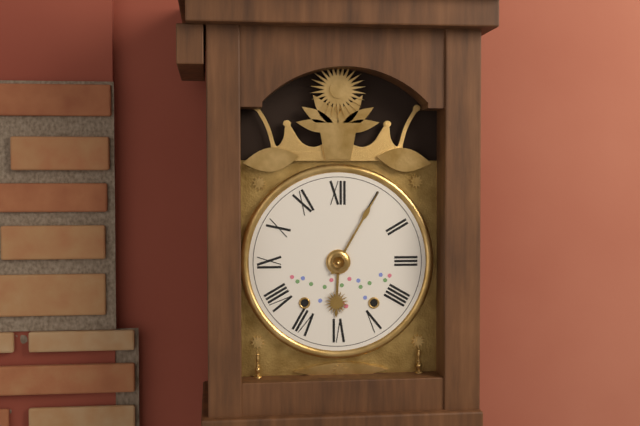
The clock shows 6h05
